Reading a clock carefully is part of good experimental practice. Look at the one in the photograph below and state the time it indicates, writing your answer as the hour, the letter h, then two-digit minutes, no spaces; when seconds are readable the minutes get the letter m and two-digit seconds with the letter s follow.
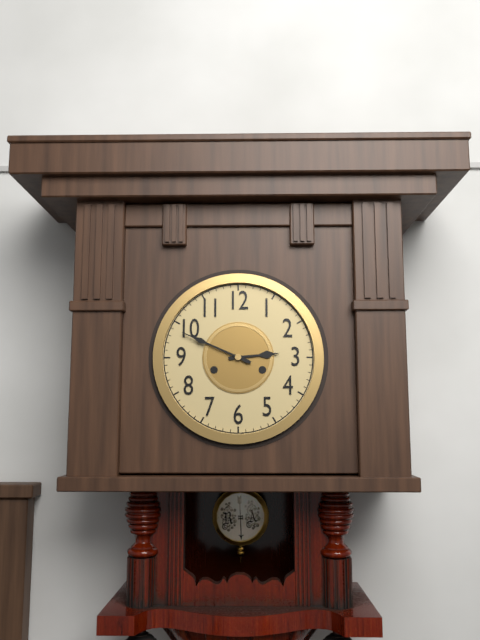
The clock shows 2h49
